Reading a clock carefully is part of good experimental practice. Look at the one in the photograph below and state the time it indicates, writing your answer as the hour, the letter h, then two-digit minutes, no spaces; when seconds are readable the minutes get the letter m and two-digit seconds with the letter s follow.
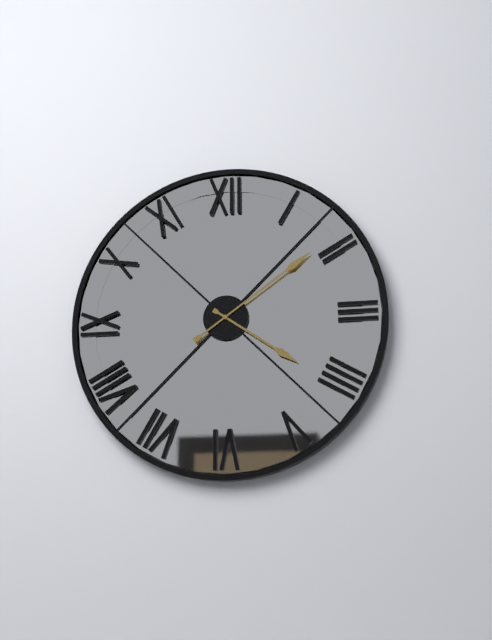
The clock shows 4h09
